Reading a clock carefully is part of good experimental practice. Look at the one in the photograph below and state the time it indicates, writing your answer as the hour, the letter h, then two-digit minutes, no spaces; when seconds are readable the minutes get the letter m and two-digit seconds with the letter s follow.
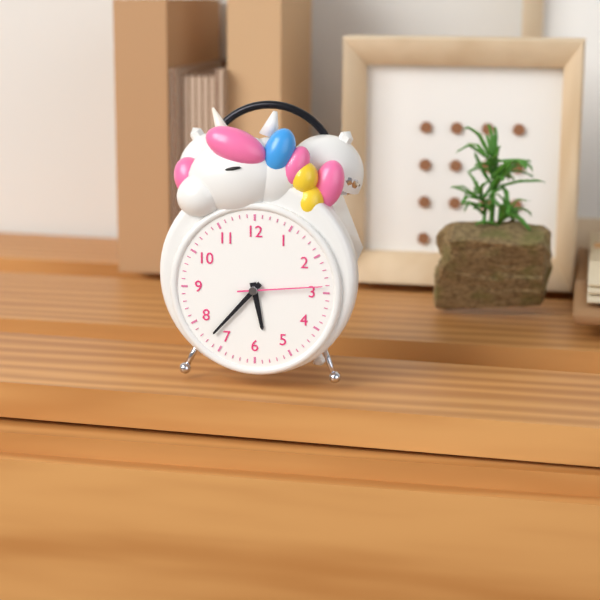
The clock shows 5h37m14s
